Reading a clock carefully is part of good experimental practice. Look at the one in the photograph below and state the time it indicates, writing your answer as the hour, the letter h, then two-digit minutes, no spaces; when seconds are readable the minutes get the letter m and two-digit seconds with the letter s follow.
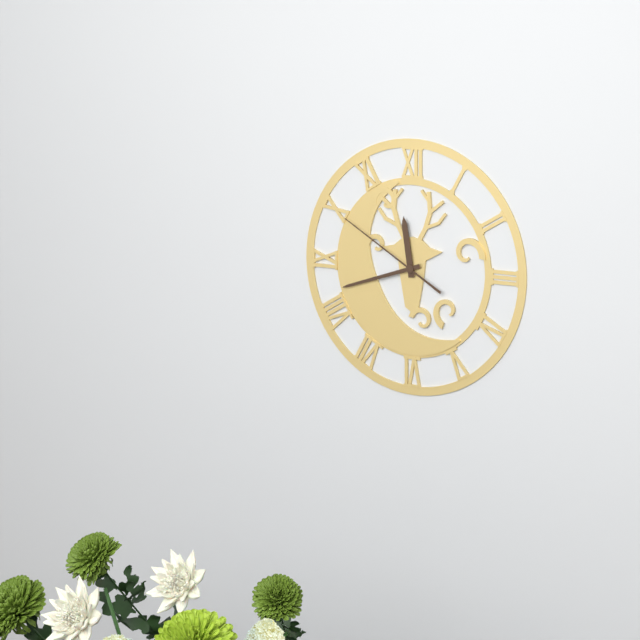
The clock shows 11h42m50s
